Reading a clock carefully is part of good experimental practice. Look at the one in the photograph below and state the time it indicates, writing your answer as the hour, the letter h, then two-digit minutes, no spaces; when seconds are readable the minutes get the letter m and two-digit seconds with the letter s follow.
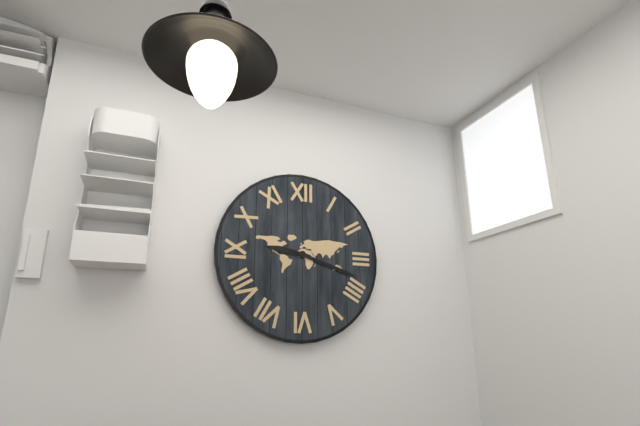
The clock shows 9h18
